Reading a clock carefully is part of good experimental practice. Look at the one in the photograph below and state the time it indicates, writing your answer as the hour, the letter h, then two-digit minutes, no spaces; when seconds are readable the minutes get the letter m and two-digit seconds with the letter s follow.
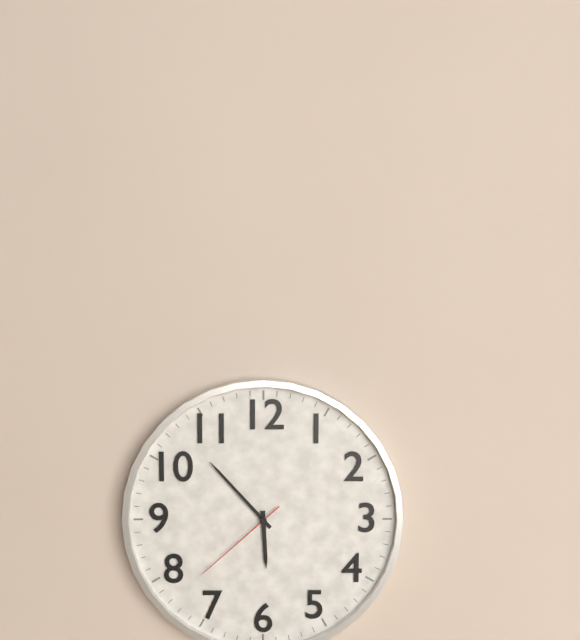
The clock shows 5h53m38s
